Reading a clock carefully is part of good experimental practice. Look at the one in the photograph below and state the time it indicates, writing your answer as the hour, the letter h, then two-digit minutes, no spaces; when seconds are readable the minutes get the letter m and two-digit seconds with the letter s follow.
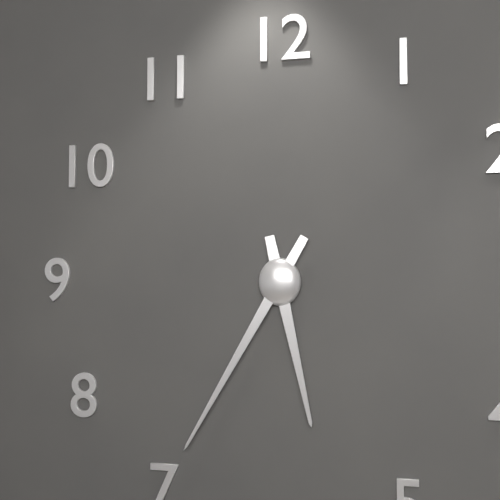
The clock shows 5h35
